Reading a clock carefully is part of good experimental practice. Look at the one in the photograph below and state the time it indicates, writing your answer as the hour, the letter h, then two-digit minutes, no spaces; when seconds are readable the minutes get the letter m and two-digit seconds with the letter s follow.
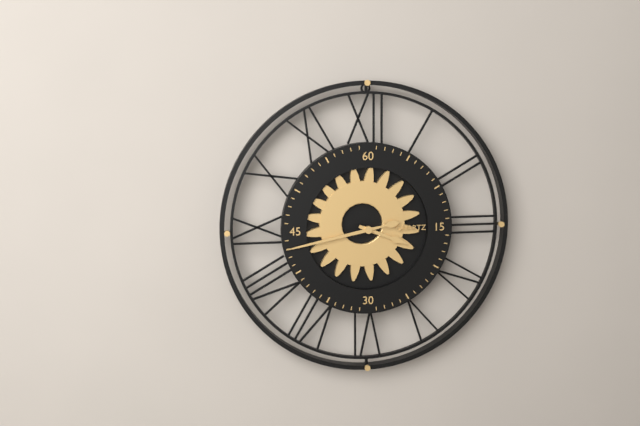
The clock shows 3h43
